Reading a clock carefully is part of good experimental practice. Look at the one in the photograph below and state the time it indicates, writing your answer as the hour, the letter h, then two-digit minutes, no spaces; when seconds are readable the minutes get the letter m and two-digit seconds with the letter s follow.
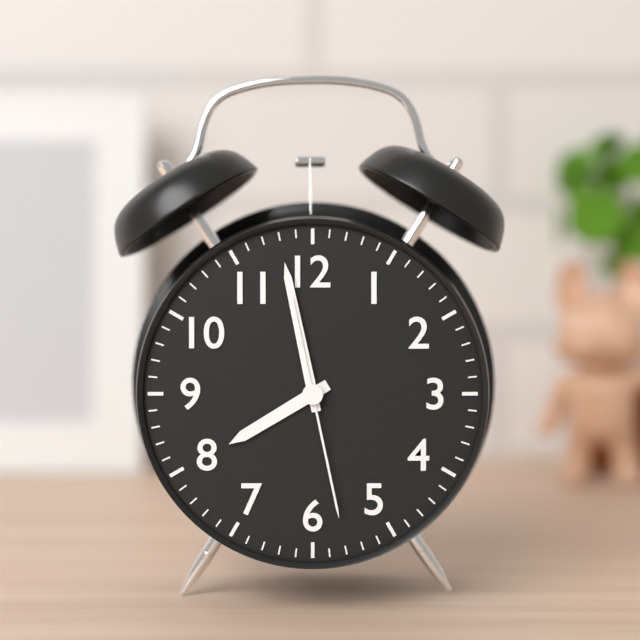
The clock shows 7h58m28s
